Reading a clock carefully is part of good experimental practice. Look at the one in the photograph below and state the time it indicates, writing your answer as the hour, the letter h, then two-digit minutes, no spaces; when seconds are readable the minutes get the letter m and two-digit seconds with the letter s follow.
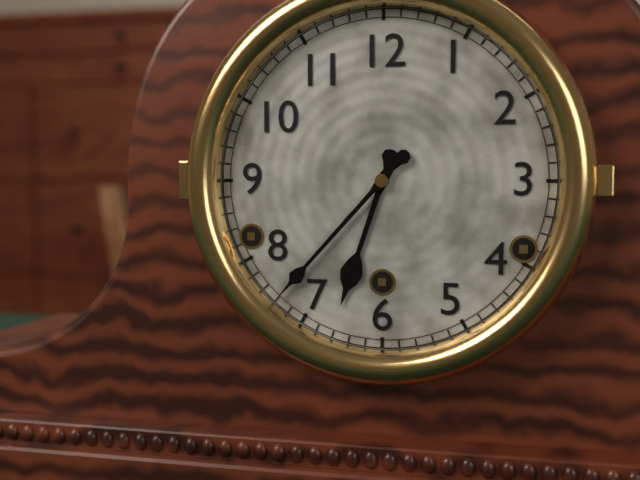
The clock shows 6h37
